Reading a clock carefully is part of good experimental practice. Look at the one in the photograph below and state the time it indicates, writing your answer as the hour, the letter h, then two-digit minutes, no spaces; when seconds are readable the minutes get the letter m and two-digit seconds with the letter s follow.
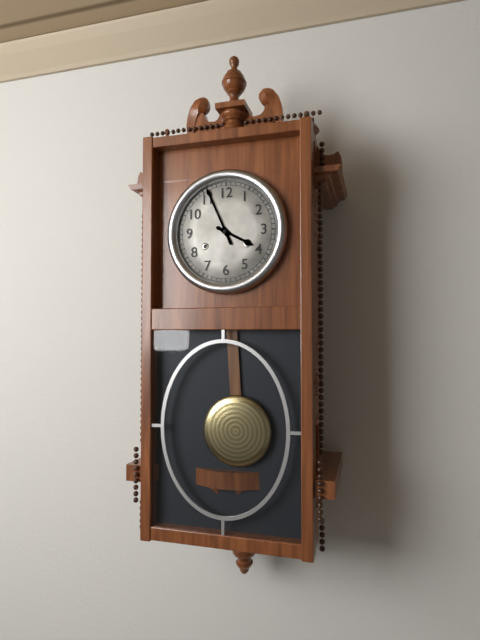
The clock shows 3h56
